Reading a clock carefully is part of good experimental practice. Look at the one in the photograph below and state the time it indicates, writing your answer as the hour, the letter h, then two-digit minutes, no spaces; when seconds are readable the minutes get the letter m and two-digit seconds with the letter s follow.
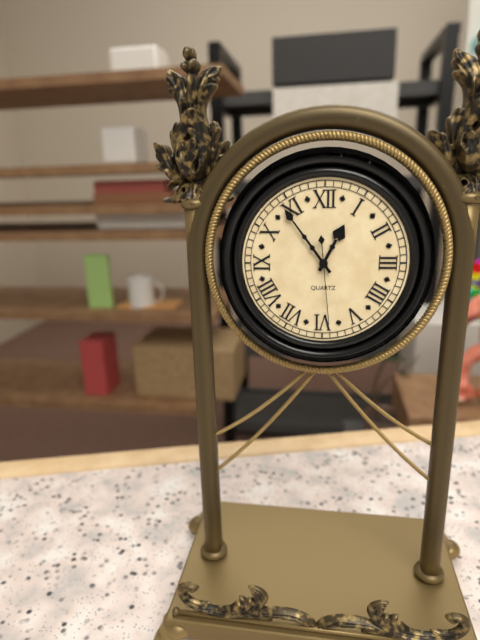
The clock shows 12h54m29s
